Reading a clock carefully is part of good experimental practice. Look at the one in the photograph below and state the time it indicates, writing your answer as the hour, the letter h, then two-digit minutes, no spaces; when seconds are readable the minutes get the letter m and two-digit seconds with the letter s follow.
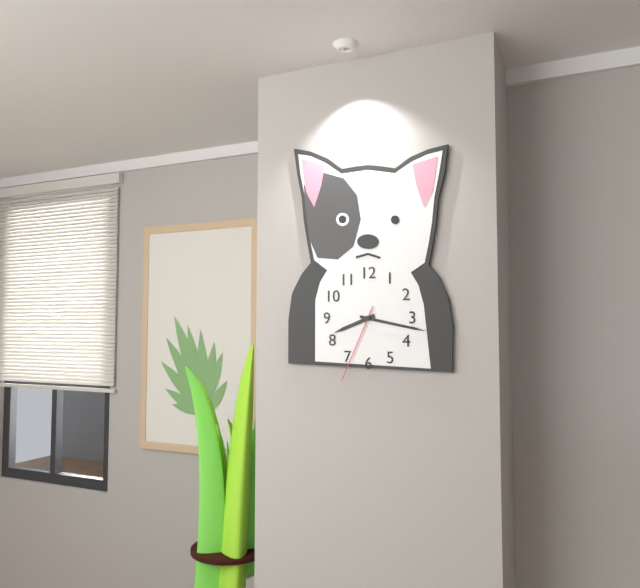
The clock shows 8h17m34s
